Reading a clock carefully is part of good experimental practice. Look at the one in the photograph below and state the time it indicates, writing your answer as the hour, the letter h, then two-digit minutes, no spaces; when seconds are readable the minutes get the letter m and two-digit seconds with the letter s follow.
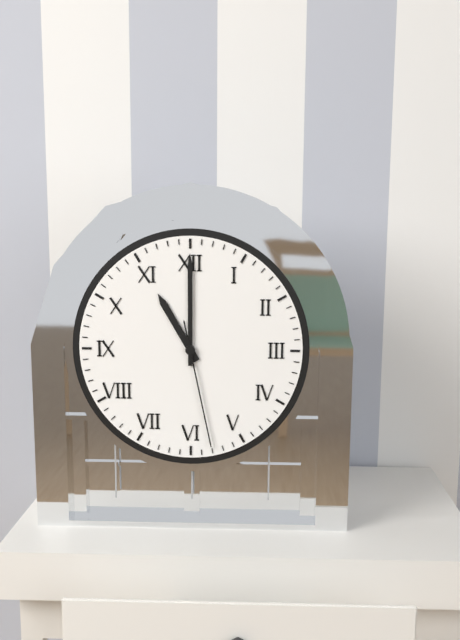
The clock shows 11h00m28s
